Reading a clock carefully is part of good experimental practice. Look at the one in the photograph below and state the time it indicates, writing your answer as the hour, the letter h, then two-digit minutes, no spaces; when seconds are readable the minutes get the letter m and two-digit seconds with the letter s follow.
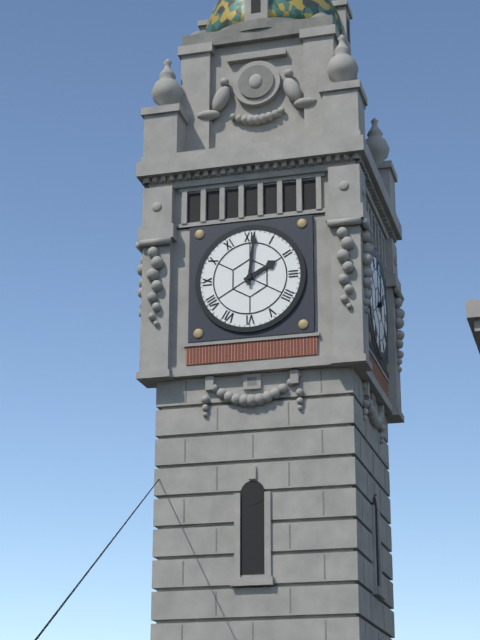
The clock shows 2h01
